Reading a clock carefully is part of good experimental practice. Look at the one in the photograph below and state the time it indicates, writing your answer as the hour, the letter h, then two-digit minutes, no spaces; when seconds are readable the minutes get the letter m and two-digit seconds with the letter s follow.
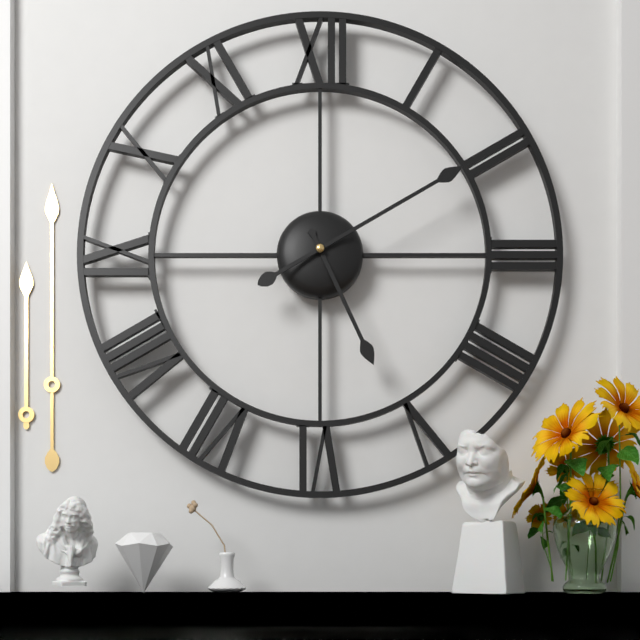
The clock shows 5h10
